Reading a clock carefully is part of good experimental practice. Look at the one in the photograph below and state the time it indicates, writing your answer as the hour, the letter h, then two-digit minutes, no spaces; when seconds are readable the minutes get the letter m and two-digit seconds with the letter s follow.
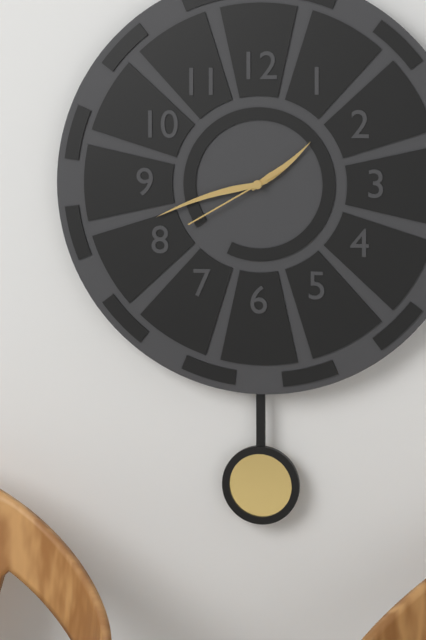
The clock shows 1h42m40s
